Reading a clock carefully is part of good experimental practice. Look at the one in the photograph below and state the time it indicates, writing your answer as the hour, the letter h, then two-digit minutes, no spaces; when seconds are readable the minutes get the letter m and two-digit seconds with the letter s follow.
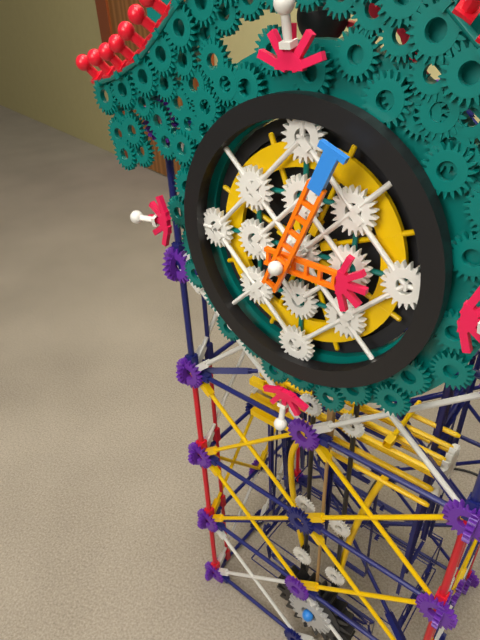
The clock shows 3h04
